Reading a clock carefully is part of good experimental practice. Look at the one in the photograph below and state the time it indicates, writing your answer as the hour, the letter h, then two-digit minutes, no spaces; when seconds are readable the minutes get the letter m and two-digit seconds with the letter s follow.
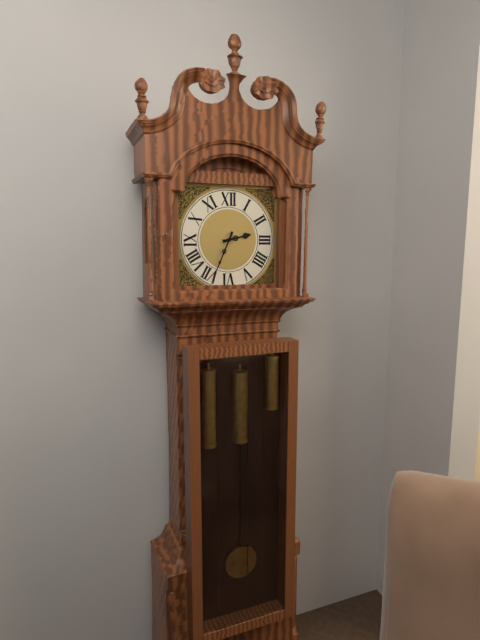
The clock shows 2h34
